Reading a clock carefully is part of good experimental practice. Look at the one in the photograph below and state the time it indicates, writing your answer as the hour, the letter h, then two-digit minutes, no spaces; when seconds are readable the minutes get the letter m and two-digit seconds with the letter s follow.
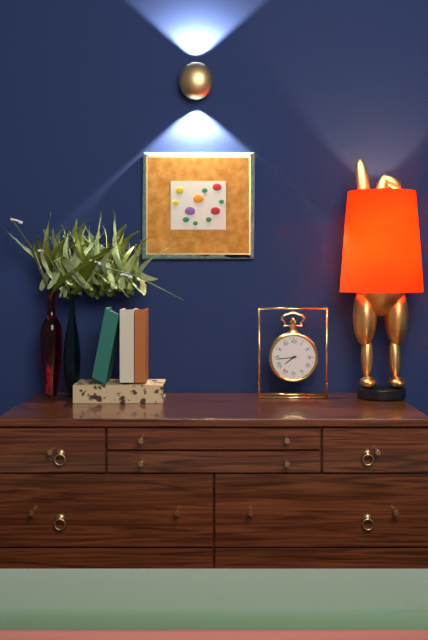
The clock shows 7h44
